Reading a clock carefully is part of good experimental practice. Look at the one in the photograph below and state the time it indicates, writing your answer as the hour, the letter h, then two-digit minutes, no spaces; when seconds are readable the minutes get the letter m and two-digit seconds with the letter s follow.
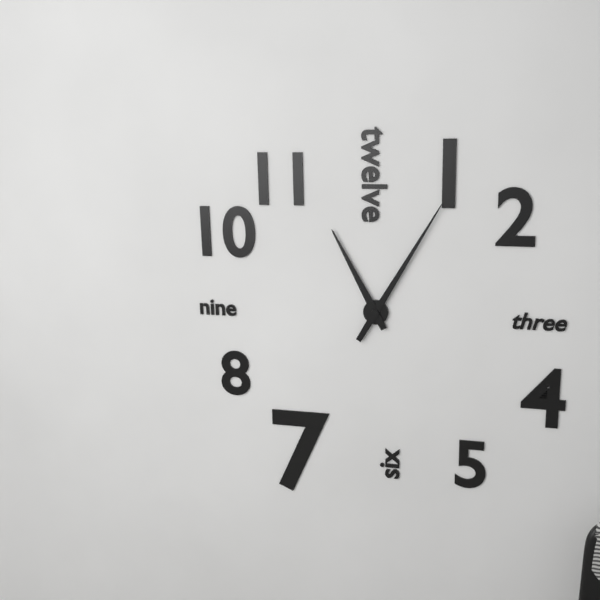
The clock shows 11h05
